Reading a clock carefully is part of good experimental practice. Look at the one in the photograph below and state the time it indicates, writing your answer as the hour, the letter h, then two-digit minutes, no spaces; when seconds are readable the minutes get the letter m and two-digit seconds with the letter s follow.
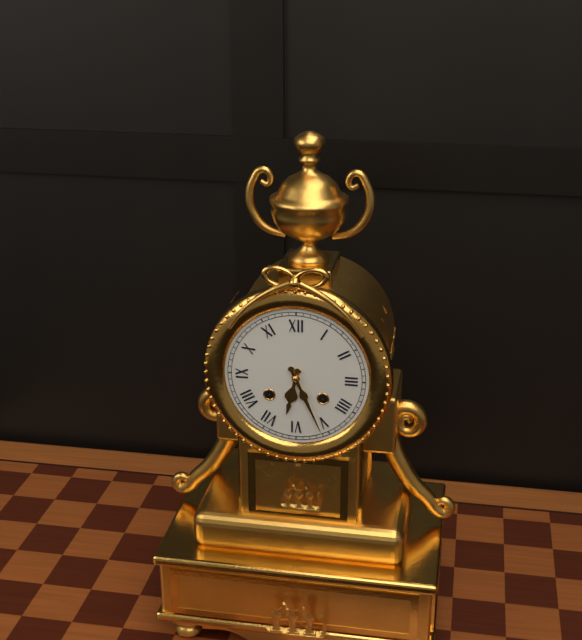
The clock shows 6h26
